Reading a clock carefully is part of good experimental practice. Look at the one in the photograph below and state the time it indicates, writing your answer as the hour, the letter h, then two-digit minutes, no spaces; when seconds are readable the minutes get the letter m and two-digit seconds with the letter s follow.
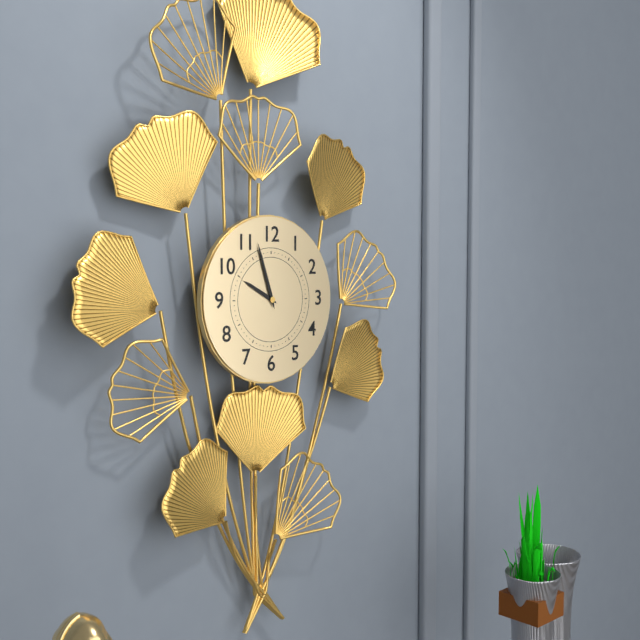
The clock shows 9h57
